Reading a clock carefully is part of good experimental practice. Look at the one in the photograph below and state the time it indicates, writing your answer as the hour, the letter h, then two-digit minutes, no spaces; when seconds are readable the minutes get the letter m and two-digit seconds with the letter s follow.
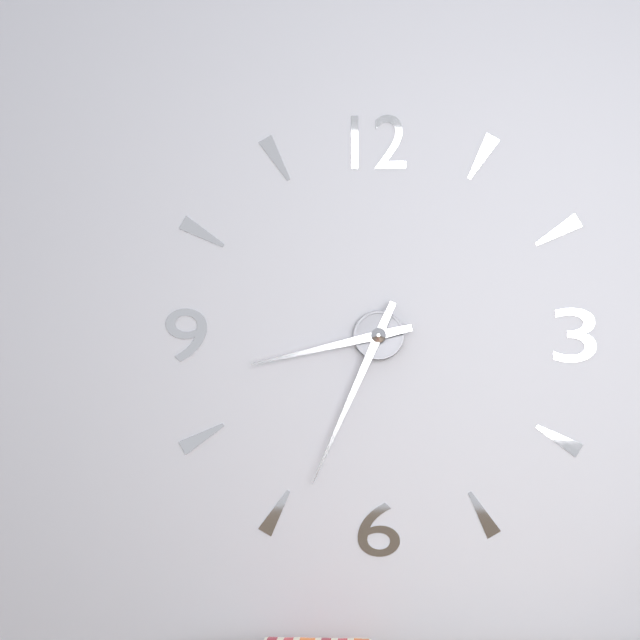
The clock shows 8h34
